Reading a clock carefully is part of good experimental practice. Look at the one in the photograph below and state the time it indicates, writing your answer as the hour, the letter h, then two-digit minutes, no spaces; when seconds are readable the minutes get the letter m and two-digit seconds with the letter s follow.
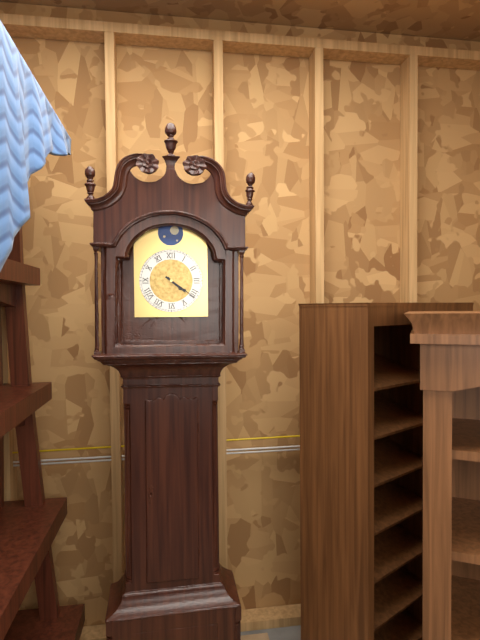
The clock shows 4h21
